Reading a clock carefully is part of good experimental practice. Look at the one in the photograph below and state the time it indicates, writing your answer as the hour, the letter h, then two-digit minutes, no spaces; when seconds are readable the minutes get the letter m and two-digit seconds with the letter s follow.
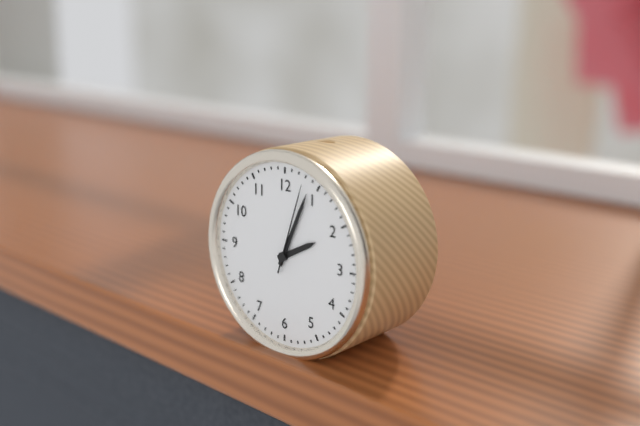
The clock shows 2h04m03s
